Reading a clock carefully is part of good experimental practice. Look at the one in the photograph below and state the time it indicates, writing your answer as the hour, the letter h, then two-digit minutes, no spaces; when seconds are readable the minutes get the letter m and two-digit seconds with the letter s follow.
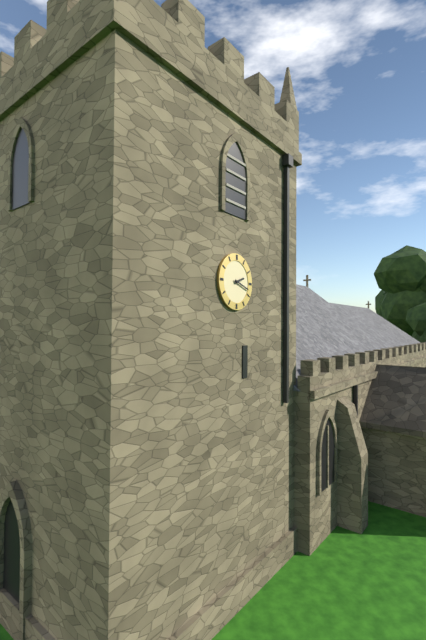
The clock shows 2h18
